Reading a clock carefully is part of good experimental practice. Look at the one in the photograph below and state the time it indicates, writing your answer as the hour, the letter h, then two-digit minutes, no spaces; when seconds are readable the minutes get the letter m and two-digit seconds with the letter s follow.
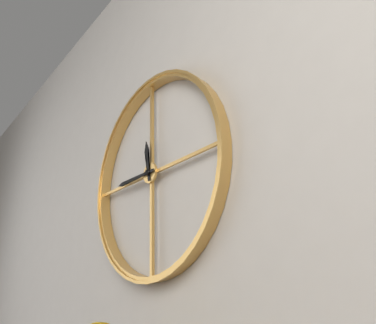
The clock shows 11h45
